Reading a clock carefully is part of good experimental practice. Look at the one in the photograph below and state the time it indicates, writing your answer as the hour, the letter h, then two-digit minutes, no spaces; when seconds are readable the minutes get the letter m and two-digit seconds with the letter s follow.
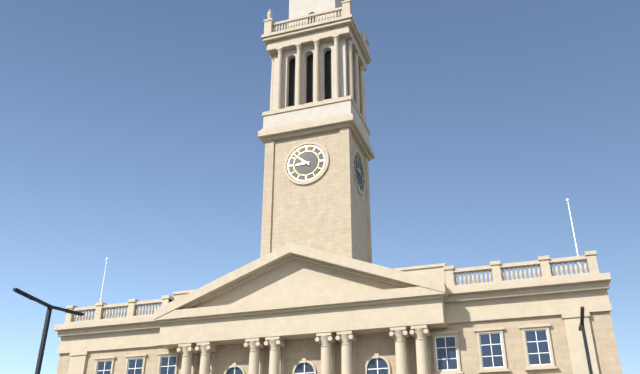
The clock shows 8h52
